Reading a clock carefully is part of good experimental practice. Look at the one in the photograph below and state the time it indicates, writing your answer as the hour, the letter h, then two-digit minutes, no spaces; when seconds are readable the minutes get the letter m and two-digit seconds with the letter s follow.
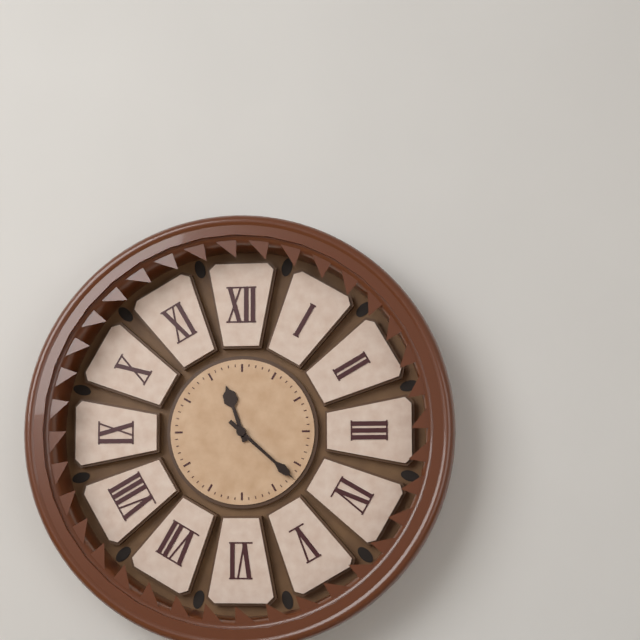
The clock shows 11h22
